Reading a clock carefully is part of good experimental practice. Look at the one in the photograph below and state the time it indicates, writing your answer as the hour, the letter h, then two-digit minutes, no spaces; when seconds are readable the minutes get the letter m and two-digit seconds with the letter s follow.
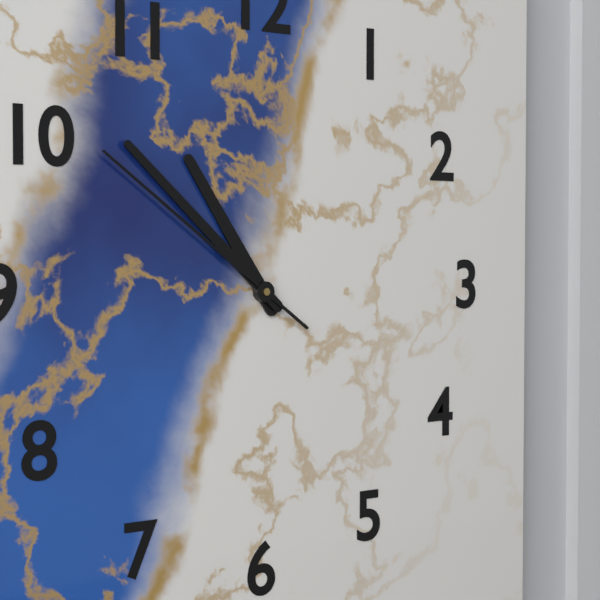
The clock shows 10h52m51s
